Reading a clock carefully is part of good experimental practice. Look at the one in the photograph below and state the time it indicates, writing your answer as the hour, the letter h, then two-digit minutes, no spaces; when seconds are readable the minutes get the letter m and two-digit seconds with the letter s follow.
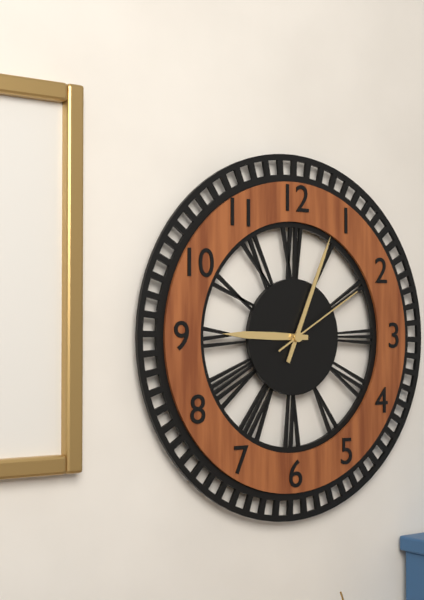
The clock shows 9h04m10s
